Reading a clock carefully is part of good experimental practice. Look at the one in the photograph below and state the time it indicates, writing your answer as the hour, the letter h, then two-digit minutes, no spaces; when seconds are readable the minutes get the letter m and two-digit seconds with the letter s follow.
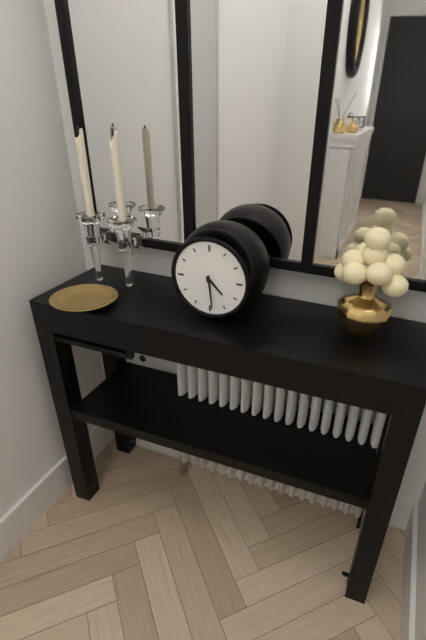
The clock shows 4h29
